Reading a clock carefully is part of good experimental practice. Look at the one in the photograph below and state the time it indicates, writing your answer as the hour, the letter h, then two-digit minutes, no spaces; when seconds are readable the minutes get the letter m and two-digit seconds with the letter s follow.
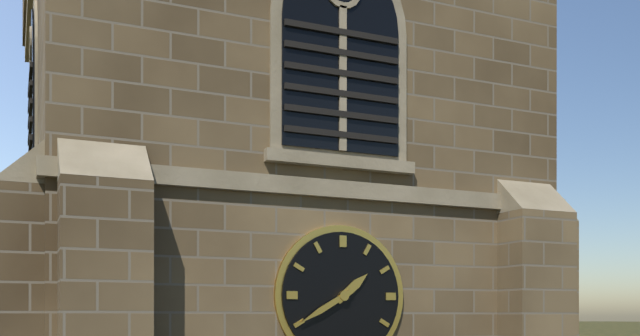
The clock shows 1h40
